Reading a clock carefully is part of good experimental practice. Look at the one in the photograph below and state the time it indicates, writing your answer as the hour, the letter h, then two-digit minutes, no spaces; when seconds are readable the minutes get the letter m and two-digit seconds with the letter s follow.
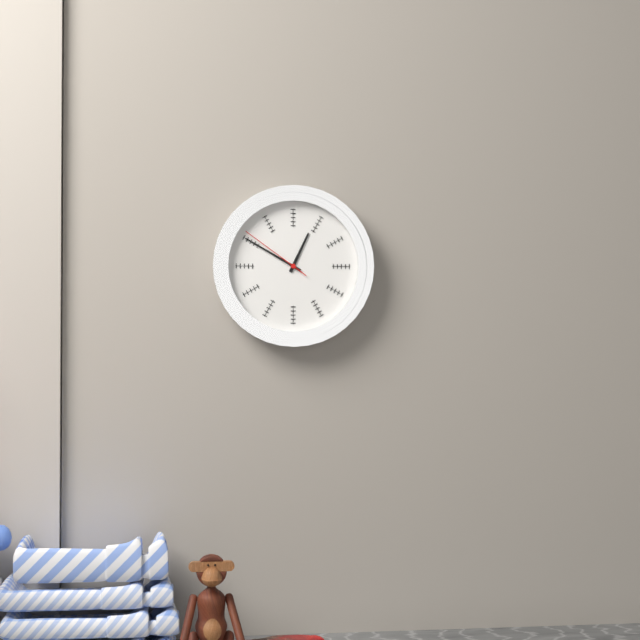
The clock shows 12h50m51s
